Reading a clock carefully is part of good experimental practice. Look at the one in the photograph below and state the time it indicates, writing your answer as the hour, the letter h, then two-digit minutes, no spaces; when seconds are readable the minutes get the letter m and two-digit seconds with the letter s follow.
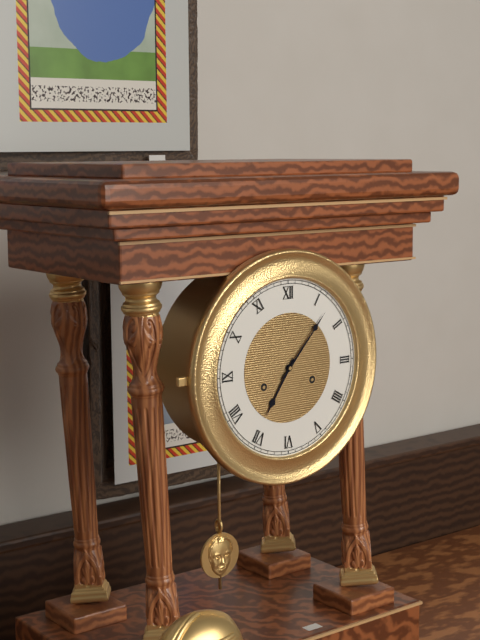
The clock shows 7h07
